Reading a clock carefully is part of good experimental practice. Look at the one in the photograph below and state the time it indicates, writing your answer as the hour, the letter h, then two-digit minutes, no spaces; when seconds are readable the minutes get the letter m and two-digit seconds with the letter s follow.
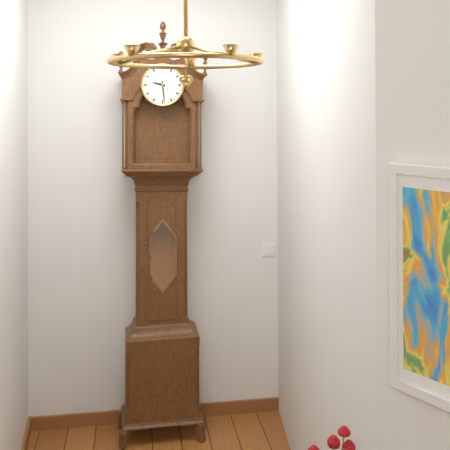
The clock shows 9h29
